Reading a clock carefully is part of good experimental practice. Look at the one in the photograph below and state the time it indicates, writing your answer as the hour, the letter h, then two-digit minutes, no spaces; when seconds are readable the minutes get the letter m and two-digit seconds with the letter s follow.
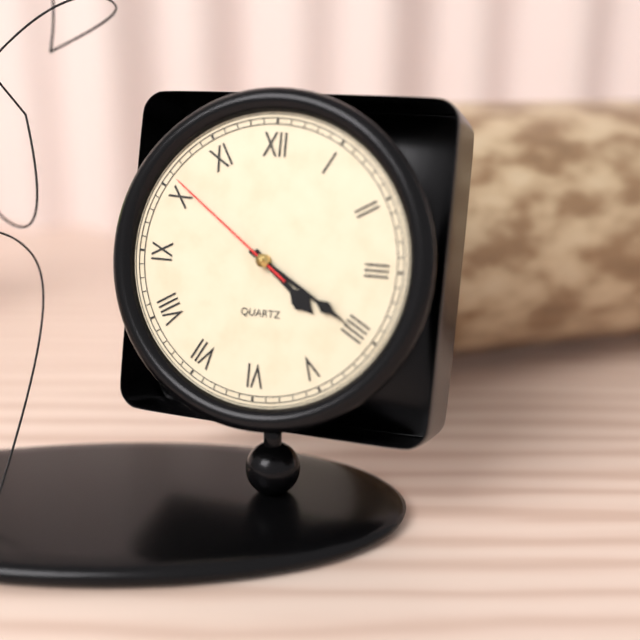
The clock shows 4h20m51s
